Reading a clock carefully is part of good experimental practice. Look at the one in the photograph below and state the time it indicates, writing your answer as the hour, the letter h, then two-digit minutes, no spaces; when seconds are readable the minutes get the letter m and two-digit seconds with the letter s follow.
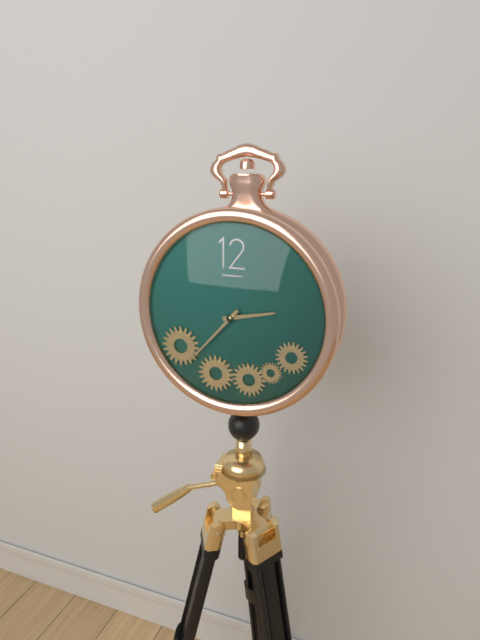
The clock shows 2h37
